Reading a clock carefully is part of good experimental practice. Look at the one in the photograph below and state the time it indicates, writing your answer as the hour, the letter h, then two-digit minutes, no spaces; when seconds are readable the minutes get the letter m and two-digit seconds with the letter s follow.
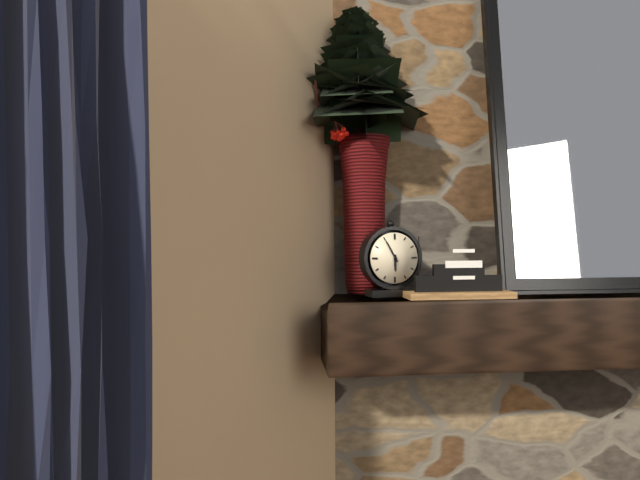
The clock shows 5h55
